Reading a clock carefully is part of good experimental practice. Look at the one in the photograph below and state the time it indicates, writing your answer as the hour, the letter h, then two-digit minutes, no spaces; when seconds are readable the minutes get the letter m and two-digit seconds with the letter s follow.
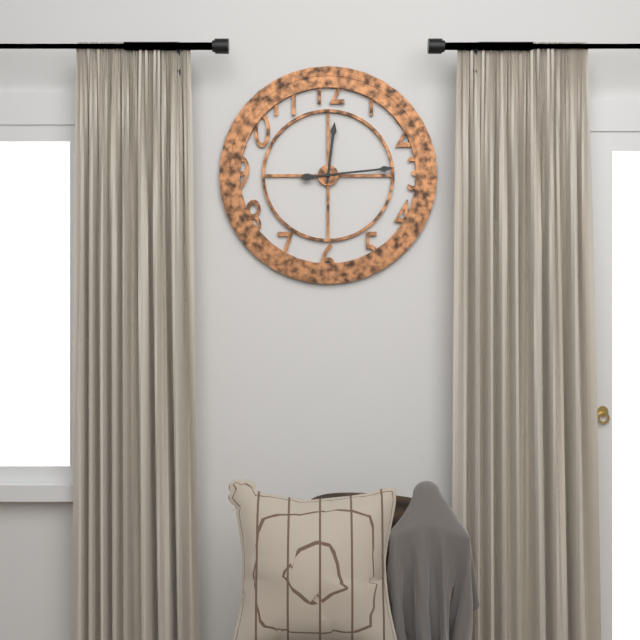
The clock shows 12h14
